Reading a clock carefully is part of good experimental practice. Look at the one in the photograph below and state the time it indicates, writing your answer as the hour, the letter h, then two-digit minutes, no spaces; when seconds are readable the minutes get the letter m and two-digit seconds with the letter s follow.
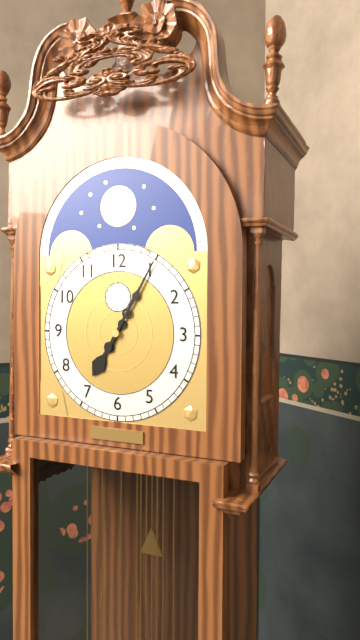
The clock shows 7h05
